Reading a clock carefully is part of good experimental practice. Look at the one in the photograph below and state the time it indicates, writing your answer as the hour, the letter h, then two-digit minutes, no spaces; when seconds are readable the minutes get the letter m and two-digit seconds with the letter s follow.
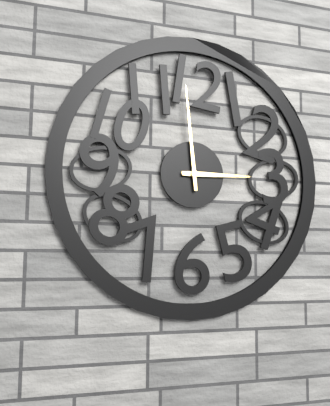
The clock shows 2h59
